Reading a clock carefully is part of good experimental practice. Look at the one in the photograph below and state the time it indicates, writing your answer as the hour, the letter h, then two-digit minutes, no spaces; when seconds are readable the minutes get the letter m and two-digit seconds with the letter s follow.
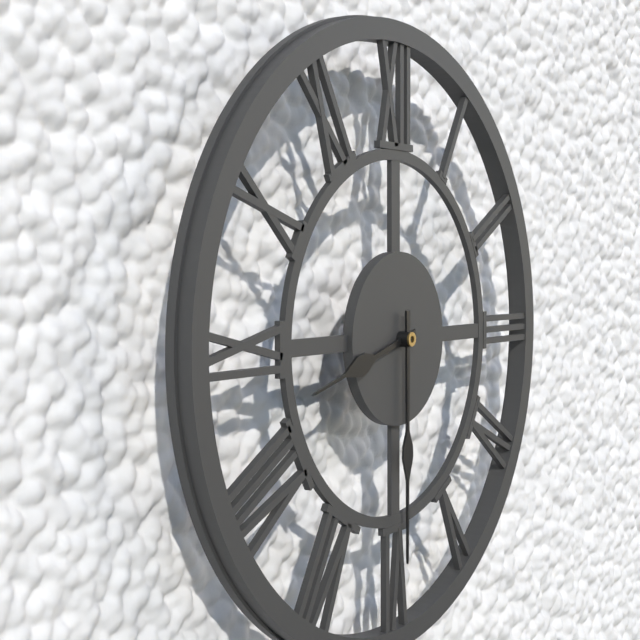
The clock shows 8h30
